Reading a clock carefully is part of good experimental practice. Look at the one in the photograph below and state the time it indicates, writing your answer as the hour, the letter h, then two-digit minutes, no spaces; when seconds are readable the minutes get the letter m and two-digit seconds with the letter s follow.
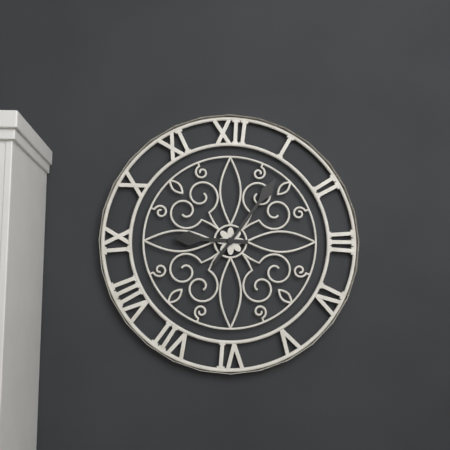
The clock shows 9h06
